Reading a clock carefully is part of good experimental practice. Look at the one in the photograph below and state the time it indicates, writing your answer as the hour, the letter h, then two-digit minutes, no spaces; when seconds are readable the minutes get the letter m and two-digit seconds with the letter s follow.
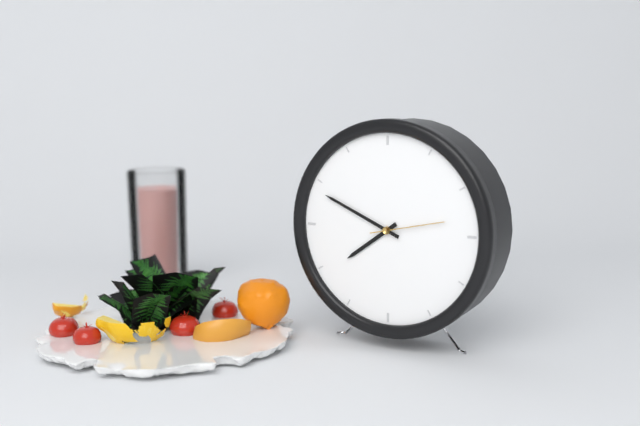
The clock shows 7h49m13s
